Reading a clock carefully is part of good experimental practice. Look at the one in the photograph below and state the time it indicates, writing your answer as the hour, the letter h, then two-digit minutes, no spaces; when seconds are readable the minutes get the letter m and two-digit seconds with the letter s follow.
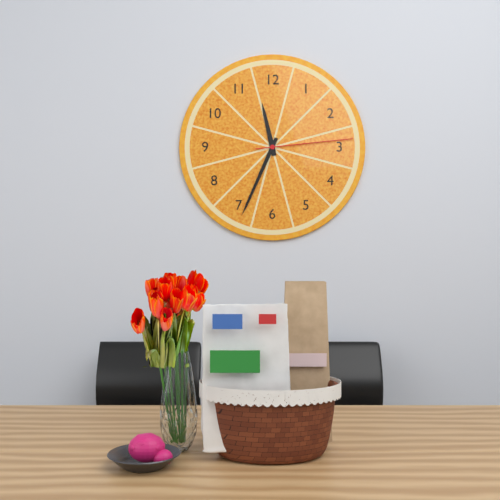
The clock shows 11h34m14s
